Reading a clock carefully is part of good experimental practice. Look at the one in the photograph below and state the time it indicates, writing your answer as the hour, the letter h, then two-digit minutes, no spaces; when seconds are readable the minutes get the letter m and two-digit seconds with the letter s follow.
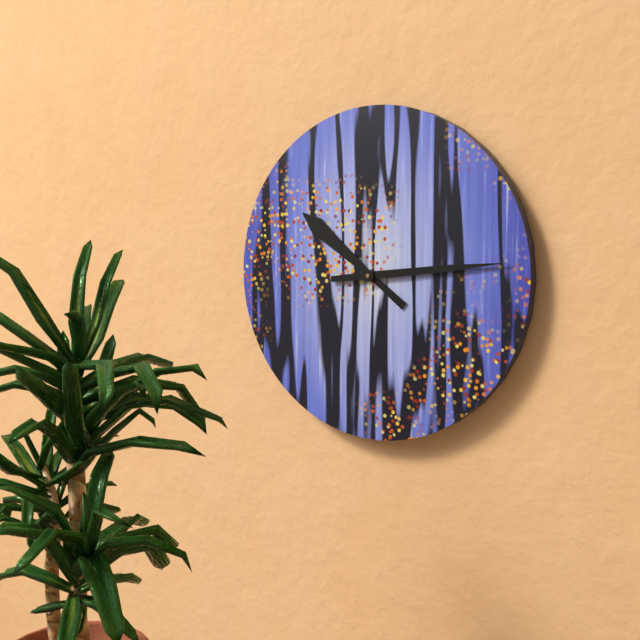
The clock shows 10h14
